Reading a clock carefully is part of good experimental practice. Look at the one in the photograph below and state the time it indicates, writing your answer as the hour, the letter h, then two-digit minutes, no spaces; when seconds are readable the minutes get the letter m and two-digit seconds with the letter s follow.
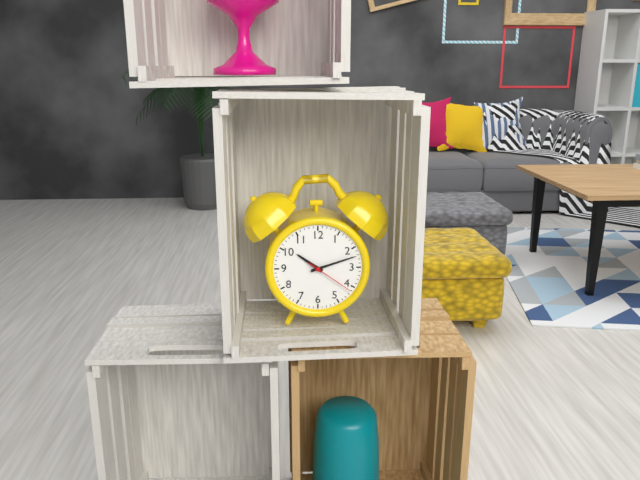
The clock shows 10h12m21s
